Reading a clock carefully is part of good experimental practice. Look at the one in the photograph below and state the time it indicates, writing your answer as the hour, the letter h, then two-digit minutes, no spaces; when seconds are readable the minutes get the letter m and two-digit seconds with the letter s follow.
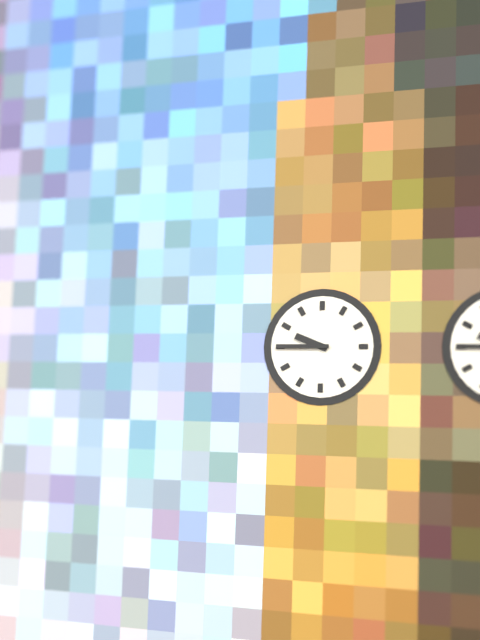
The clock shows 9h45
